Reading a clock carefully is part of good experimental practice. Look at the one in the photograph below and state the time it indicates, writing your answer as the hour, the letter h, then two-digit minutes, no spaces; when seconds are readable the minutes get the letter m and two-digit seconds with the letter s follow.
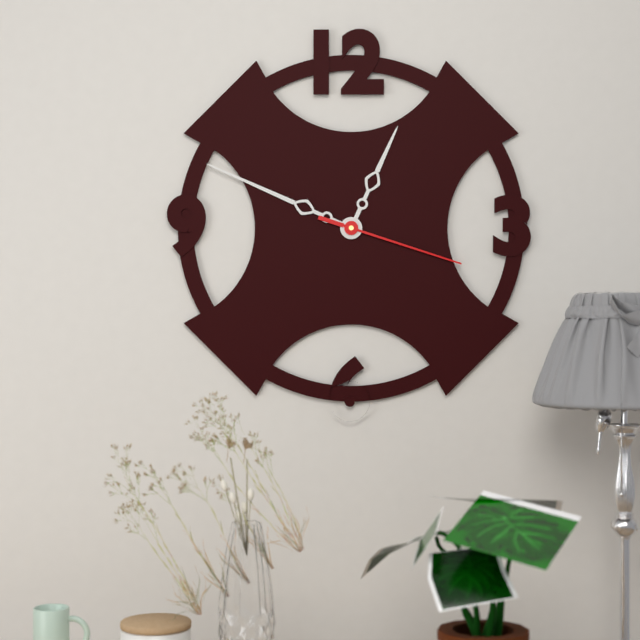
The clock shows 12h49m18s
